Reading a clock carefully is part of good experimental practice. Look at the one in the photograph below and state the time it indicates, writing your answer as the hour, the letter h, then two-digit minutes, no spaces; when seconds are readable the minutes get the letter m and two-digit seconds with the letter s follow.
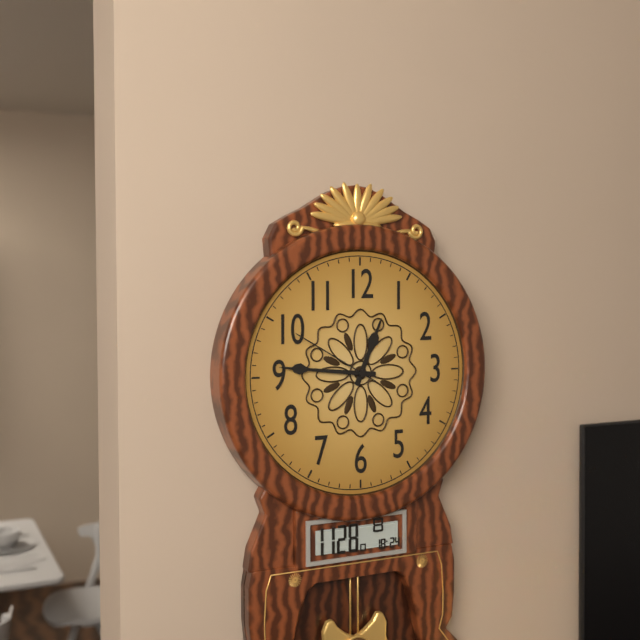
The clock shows 12h46m50s
